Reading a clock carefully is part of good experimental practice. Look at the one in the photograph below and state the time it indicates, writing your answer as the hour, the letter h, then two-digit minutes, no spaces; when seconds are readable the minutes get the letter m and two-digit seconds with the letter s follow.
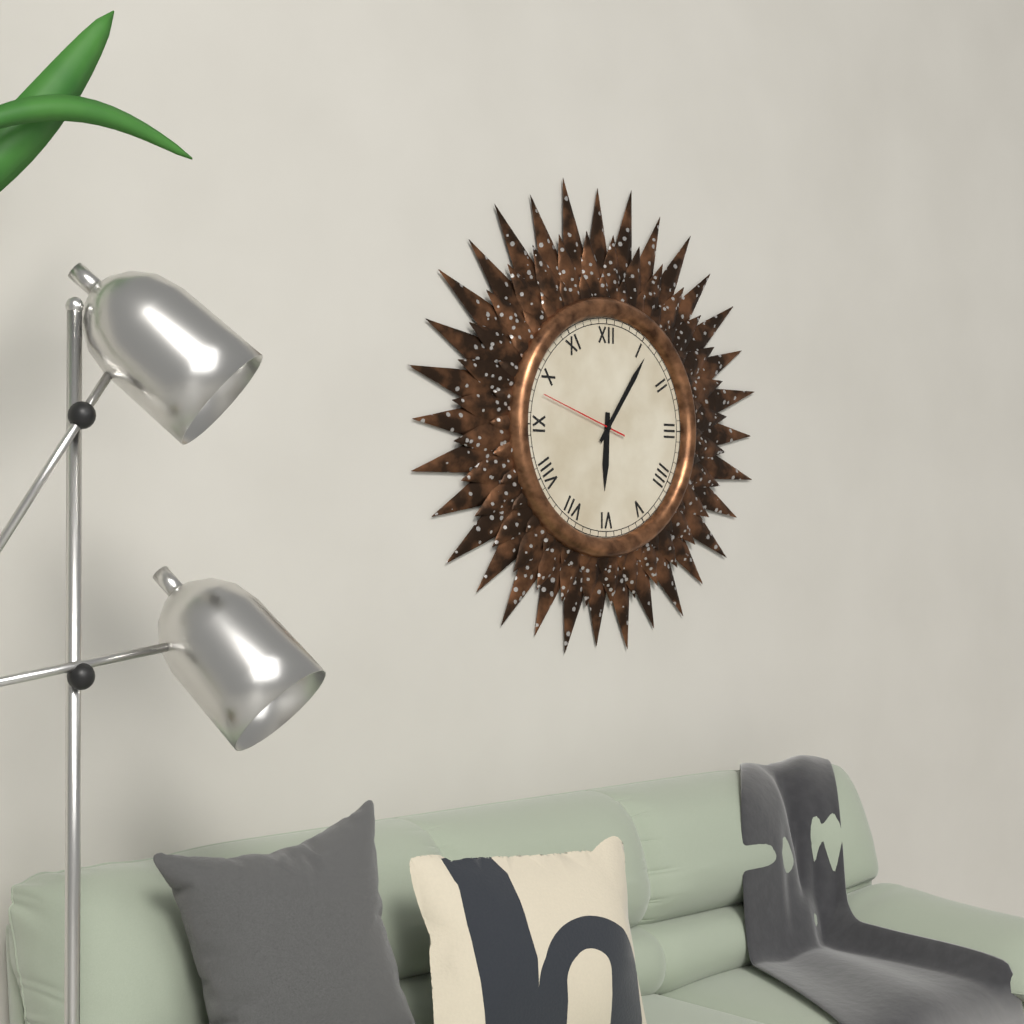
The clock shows 6h06m48s
